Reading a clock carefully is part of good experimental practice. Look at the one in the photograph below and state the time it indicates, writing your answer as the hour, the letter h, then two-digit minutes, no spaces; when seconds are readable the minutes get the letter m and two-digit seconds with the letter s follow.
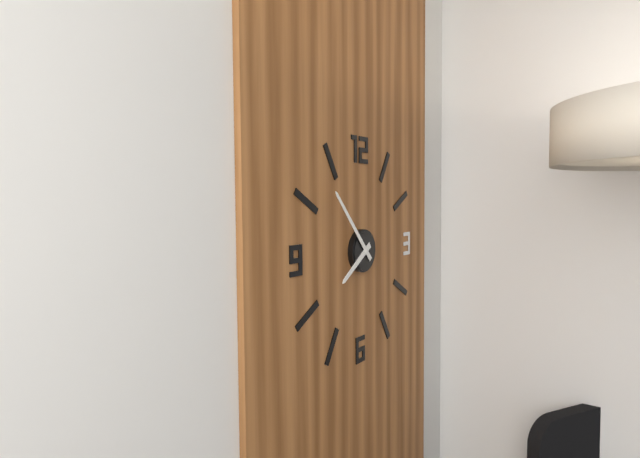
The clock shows 7h53
